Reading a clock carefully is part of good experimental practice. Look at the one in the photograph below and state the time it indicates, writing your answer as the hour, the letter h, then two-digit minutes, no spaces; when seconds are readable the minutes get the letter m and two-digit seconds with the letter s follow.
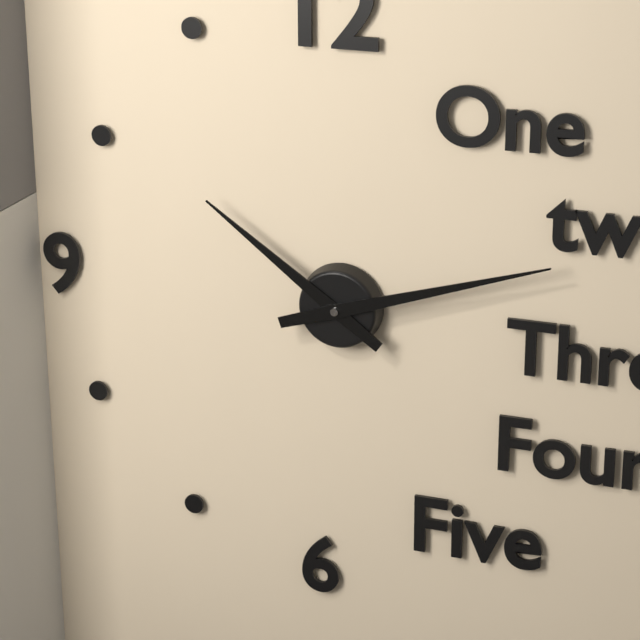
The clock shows 10h12
